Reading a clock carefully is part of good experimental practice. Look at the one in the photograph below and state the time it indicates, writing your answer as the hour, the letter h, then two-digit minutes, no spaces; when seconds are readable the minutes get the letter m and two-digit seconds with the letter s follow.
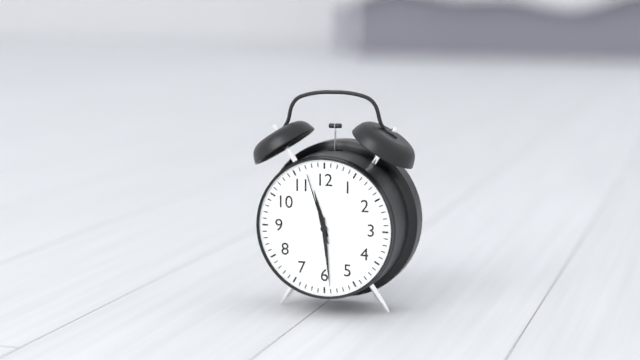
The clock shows 11h29m57s
